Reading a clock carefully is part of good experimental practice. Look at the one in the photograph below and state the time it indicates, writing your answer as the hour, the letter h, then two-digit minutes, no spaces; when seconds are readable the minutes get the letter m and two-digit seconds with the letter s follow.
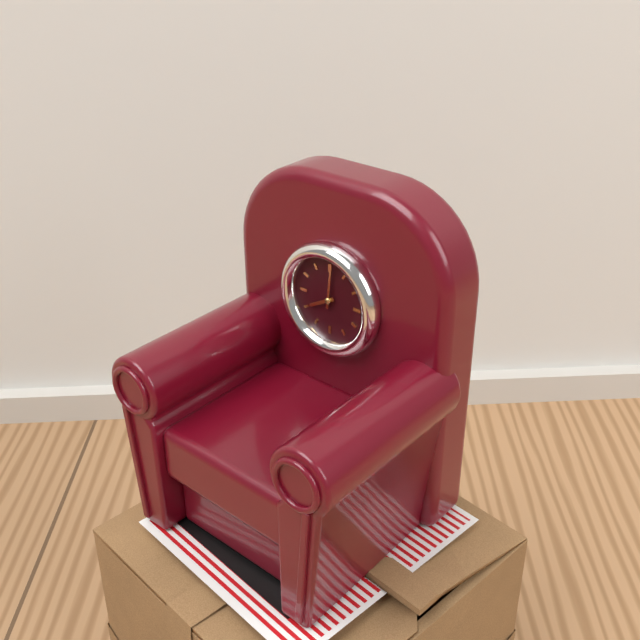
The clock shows 8h01
